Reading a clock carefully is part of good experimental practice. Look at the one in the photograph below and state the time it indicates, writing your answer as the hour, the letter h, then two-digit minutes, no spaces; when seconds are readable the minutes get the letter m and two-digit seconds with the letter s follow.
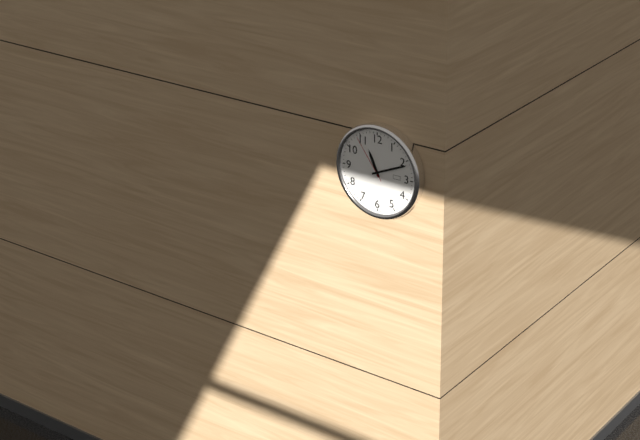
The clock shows 11h11m54s
